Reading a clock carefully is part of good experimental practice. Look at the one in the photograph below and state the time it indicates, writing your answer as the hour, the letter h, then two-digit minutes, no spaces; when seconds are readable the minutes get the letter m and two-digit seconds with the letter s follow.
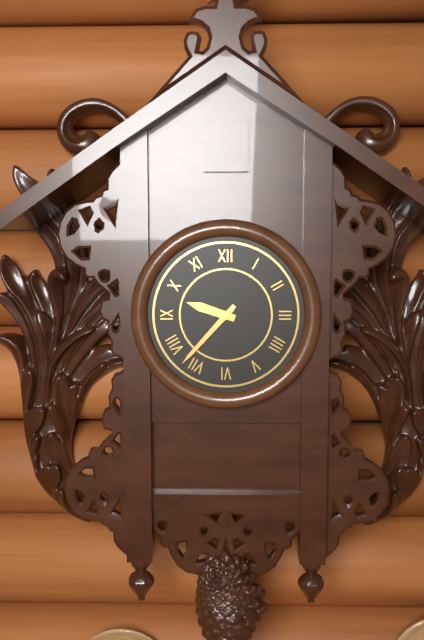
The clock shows 9h37
